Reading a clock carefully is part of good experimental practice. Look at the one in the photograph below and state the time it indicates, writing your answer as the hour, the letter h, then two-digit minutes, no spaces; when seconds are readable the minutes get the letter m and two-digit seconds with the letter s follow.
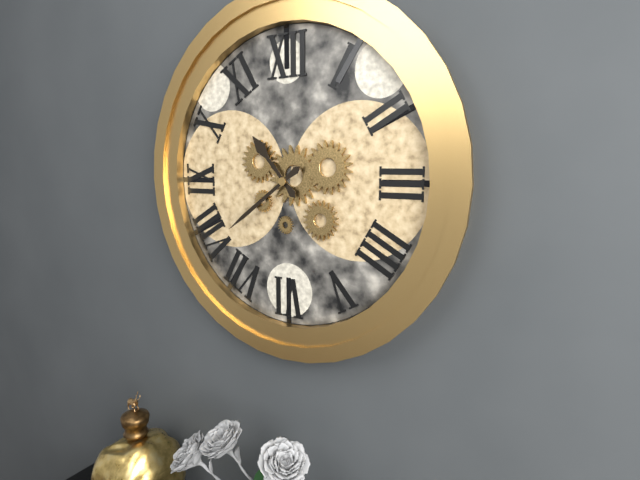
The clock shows 10h39
